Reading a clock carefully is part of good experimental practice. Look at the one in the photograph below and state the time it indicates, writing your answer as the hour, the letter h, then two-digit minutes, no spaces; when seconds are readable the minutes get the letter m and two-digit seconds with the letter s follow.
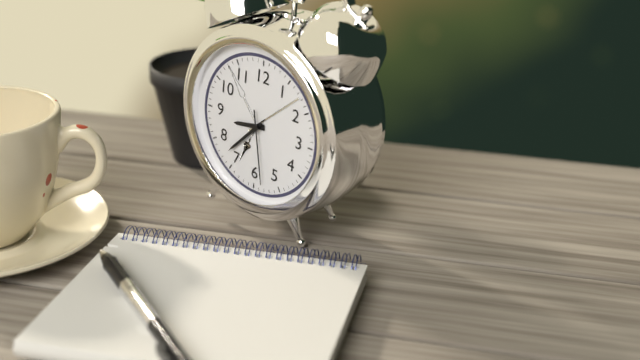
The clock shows 8h37m28s
